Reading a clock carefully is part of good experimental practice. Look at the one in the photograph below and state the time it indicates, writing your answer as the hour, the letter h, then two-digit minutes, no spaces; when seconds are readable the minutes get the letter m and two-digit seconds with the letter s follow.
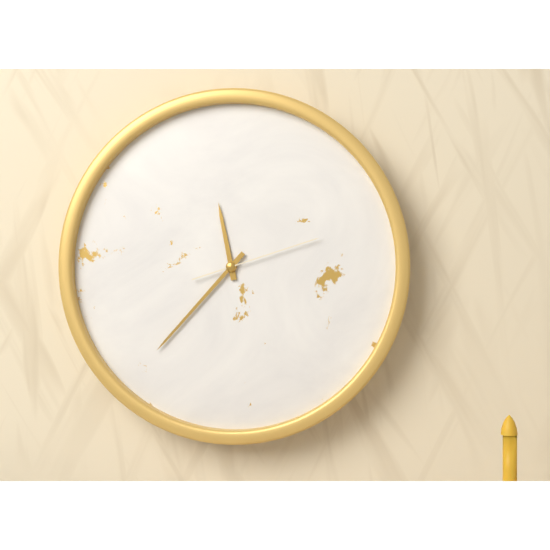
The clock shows 11h37m12s
